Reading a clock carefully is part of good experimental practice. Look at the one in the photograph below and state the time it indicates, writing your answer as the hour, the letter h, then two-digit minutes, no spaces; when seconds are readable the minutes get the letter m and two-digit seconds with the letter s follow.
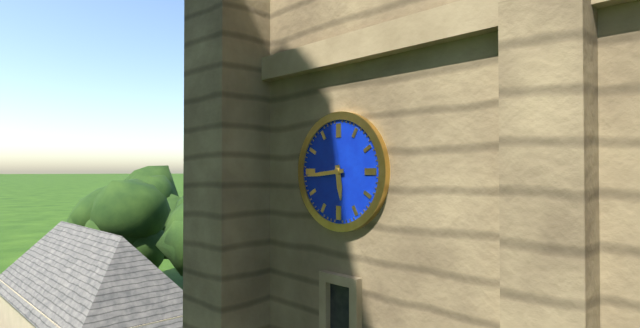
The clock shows 5h44
